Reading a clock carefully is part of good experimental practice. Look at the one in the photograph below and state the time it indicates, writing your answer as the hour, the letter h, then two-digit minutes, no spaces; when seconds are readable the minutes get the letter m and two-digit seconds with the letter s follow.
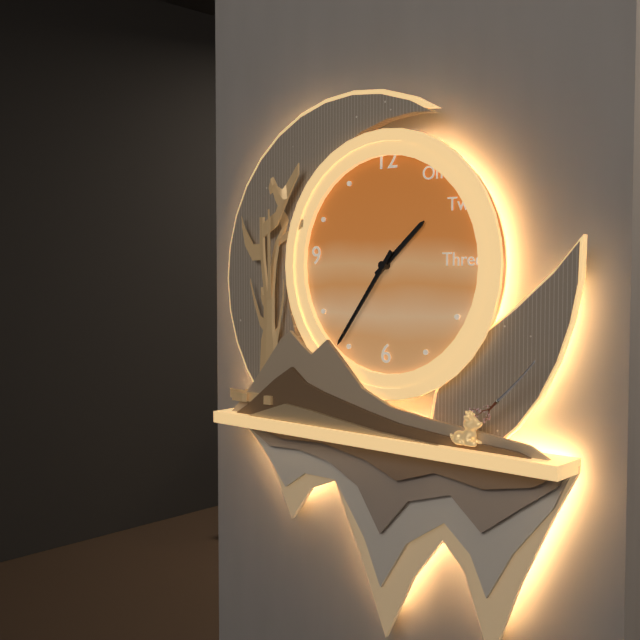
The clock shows 1h36
